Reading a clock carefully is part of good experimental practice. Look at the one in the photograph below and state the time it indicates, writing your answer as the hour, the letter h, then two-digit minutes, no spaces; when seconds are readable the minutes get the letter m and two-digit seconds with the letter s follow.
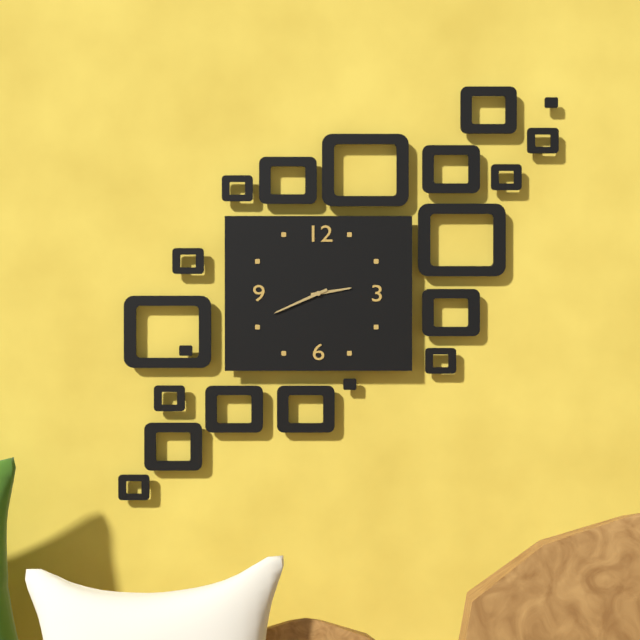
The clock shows 2h41
